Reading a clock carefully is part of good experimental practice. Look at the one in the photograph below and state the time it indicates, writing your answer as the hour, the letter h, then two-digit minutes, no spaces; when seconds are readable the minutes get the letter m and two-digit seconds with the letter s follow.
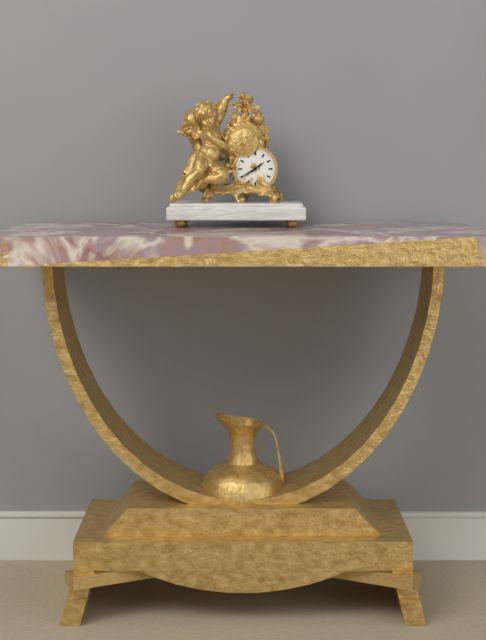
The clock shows 1h40
